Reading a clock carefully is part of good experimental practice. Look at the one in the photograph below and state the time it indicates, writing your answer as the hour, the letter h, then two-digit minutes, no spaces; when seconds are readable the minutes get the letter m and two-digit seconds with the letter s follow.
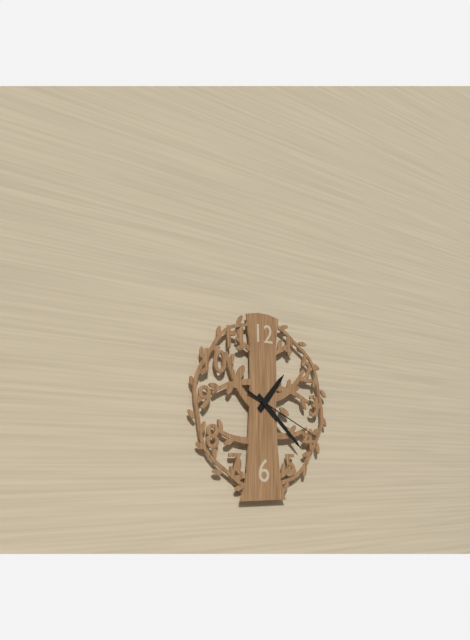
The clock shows 1h22m19s
